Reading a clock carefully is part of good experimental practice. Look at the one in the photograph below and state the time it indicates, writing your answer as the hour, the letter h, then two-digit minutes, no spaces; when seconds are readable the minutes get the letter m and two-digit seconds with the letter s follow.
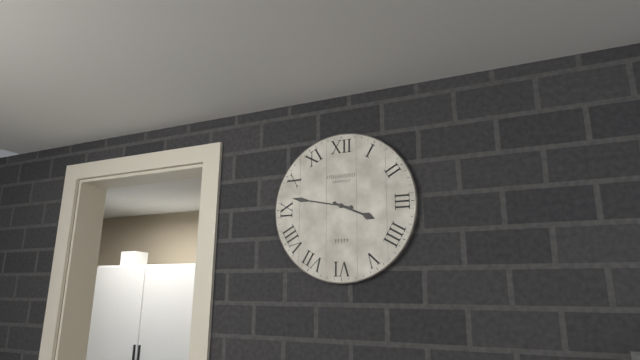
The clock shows 3h47
